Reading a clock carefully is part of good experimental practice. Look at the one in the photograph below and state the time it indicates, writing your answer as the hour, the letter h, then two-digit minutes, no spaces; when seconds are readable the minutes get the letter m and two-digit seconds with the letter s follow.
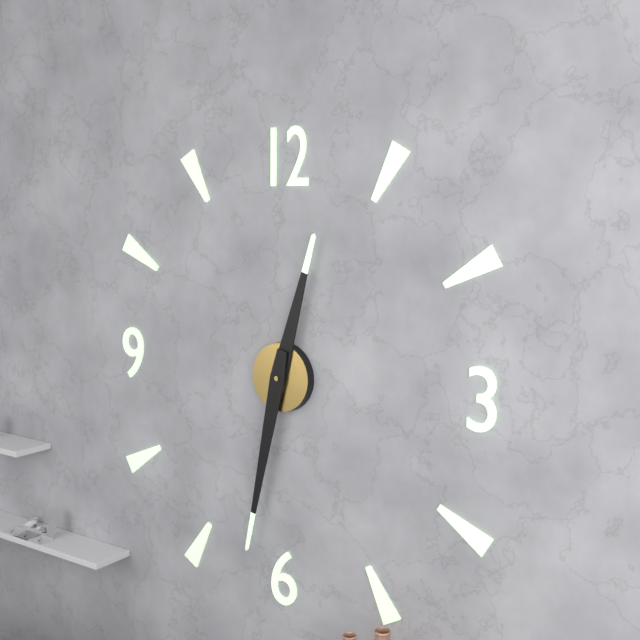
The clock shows 12h32
